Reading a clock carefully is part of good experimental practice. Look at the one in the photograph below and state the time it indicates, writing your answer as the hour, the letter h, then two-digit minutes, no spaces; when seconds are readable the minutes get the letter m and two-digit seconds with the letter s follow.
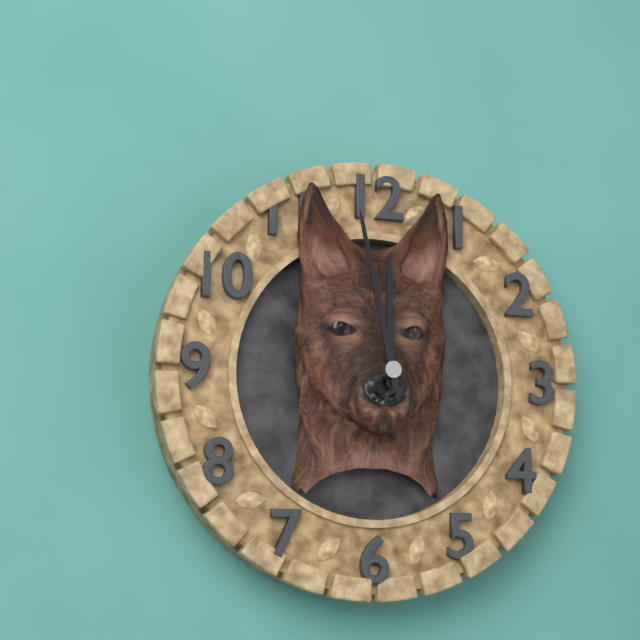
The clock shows 11h58
